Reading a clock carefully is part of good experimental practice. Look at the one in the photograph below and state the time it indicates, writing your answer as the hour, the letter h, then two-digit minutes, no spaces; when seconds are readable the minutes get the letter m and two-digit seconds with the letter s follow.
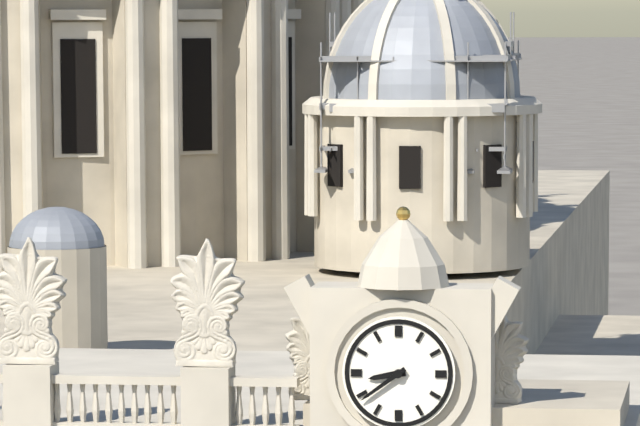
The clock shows 8h39
